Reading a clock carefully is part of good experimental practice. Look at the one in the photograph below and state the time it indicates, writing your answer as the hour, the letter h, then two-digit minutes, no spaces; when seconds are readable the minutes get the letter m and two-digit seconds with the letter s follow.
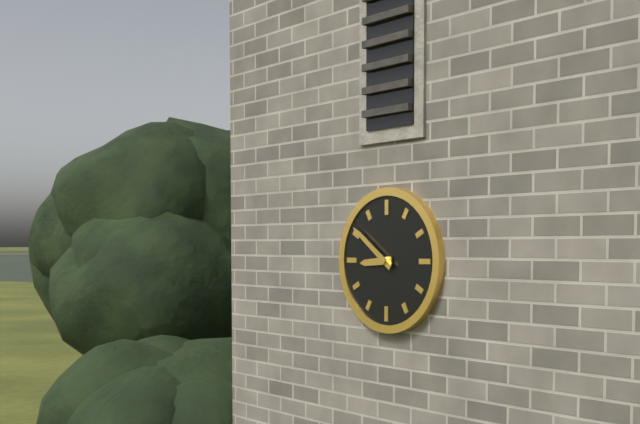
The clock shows 8h51
